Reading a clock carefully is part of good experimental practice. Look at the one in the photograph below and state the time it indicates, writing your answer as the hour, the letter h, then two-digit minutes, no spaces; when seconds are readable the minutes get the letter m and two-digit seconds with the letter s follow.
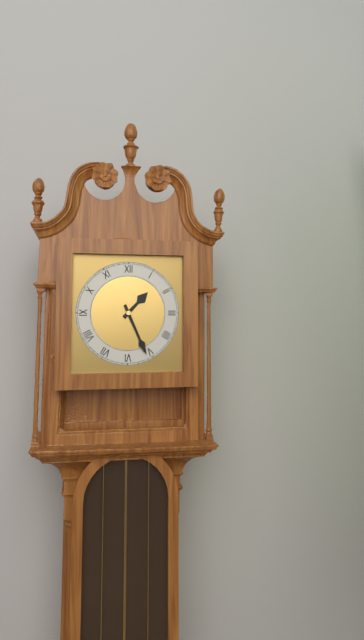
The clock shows 1h26
